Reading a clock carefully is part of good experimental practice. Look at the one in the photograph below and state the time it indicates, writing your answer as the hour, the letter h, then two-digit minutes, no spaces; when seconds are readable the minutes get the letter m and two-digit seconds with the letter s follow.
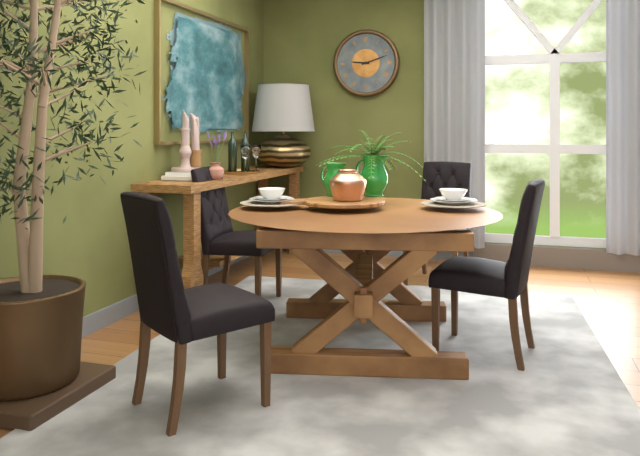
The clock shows 9h12
